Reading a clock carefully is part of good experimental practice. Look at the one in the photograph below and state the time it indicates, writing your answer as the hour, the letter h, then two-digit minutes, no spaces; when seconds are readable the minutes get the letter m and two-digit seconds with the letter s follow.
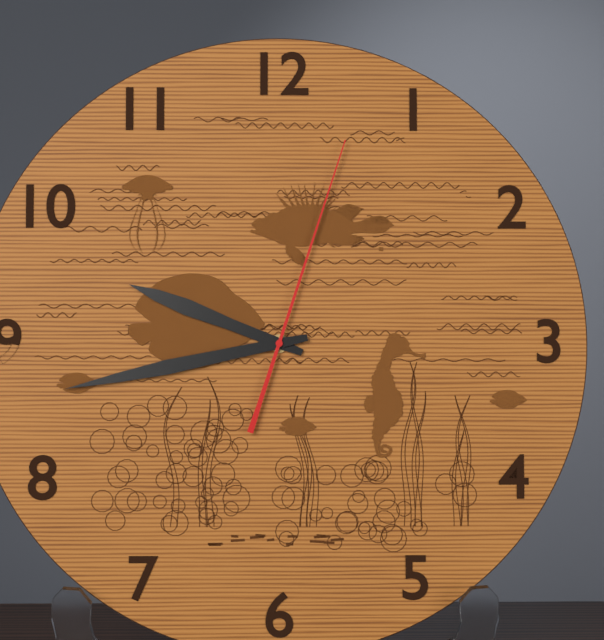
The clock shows 9h43m03s
